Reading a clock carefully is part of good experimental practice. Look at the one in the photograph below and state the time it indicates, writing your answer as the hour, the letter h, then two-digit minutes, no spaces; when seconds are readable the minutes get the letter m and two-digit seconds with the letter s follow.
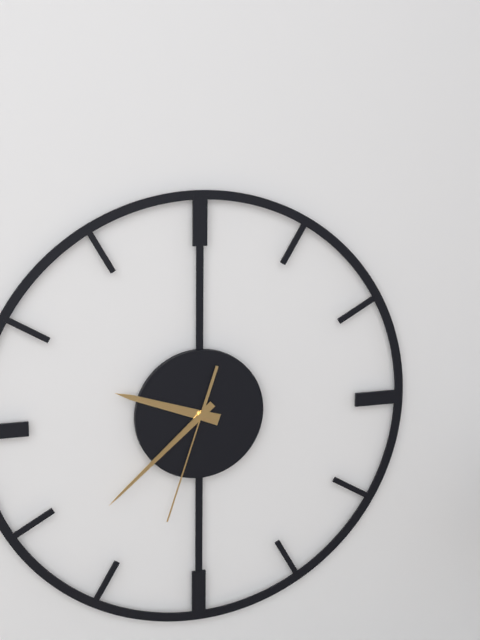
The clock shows 9h38m33s
